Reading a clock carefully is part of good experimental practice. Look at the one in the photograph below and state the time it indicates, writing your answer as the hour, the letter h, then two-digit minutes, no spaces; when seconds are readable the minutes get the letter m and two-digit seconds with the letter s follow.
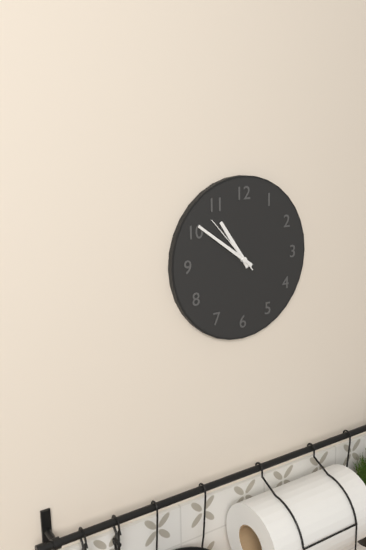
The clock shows 10h51m53s
